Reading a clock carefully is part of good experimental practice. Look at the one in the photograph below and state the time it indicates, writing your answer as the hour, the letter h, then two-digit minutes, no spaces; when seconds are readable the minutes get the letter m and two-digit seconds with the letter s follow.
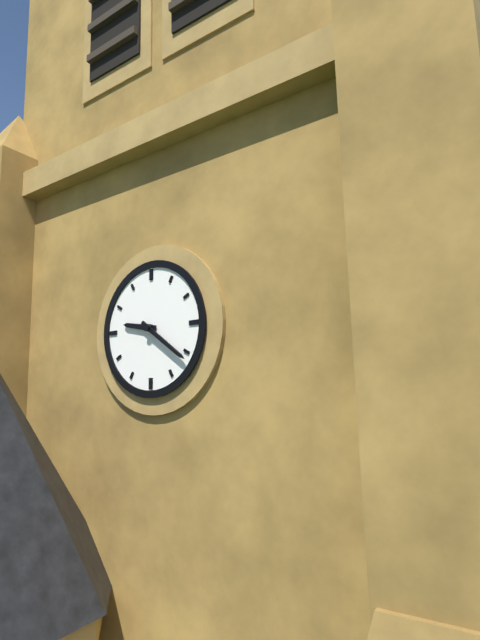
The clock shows 9h21
